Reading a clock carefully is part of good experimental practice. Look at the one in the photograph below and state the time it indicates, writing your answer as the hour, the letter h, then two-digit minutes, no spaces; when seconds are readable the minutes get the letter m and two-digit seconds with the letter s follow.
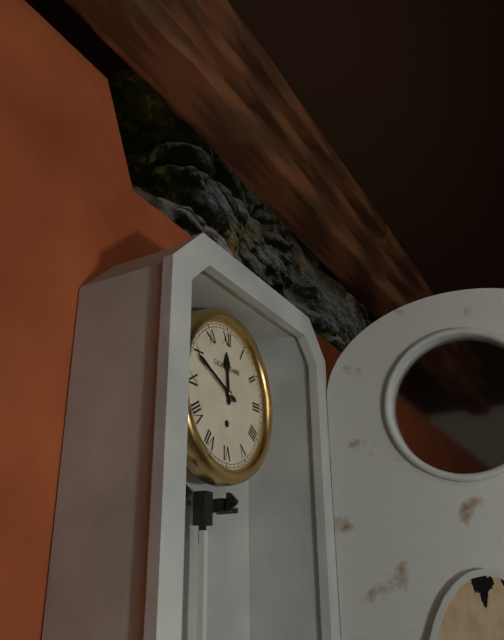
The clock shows 11h49
